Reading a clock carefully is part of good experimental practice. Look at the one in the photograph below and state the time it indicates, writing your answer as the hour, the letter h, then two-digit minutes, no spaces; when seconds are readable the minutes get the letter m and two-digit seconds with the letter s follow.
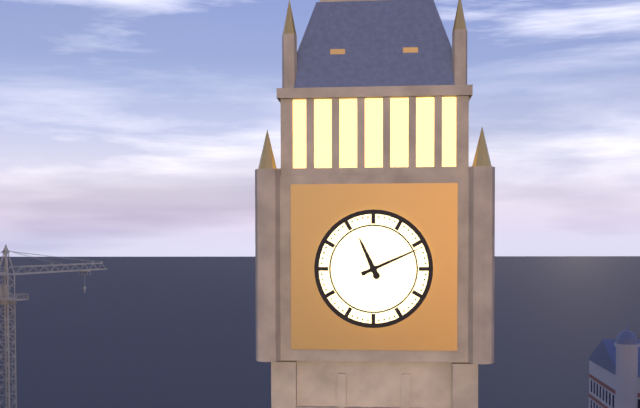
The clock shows 11h11
